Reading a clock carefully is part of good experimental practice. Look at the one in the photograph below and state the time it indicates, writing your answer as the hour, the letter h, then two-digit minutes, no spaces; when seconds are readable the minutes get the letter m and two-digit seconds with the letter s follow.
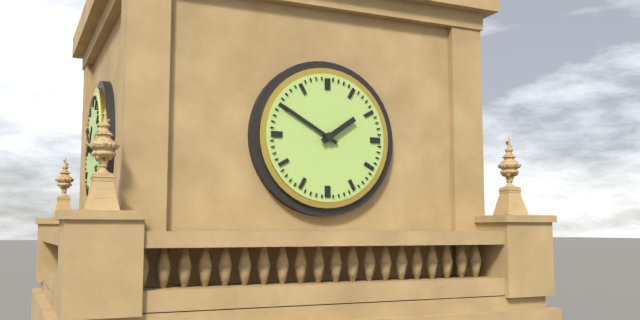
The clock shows 1h50
